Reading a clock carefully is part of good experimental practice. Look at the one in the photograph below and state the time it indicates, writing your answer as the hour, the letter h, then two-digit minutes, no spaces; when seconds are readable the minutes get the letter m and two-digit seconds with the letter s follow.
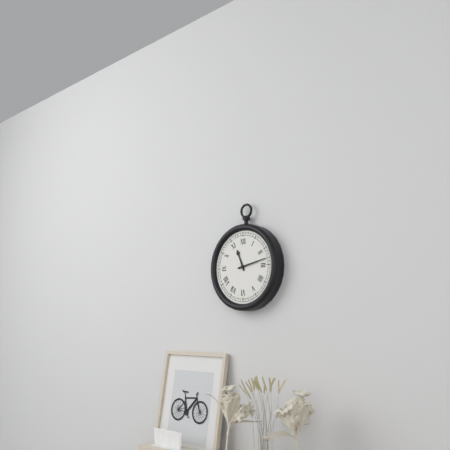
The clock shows 11h13
